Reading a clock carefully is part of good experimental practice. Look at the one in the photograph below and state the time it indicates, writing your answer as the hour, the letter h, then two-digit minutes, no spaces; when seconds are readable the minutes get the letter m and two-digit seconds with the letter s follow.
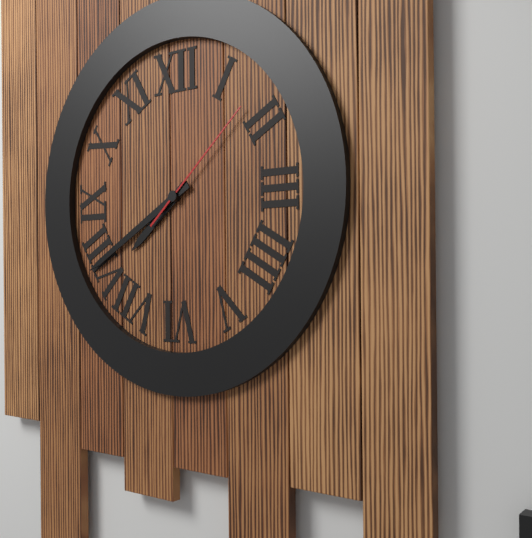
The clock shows 7h40m08s
